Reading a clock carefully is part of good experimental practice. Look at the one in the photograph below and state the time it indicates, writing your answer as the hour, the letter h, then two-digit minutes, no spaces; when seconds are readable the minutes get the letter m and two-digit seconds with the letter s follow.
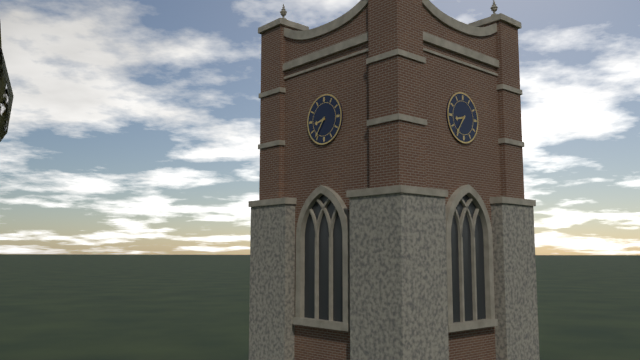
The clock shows 8h36
